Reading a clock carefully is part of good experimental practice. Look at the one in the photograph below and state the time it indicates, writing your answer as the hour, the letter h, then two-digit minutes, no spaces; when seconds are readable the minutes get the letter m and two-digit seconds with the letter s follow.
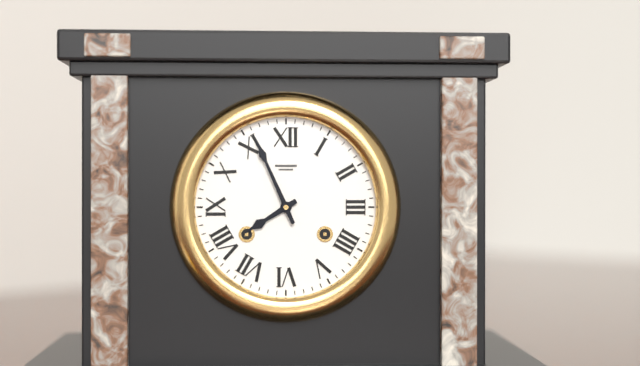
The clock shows 7h56
